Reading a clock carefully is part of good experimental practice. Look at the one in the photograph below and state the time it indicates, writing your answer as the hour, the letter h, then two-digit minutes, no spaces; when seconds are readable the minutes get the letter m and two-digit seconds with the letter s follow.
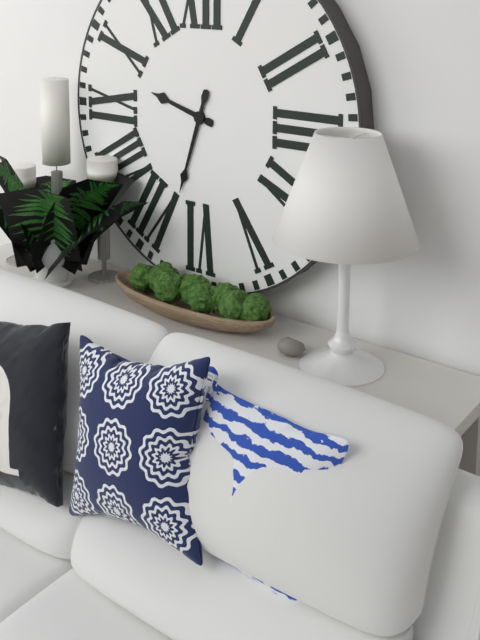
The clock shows 9h33
